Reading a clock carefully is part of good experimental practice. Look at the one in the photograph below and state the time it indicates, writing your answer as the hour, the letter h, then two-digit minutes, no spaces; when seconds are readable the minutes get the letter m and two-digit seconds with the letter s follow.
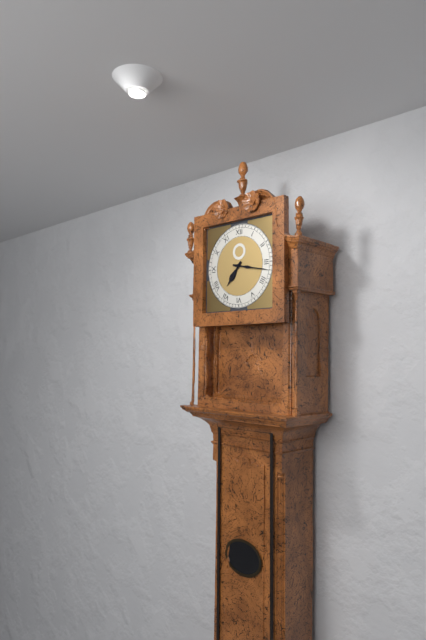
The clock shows 7h17
